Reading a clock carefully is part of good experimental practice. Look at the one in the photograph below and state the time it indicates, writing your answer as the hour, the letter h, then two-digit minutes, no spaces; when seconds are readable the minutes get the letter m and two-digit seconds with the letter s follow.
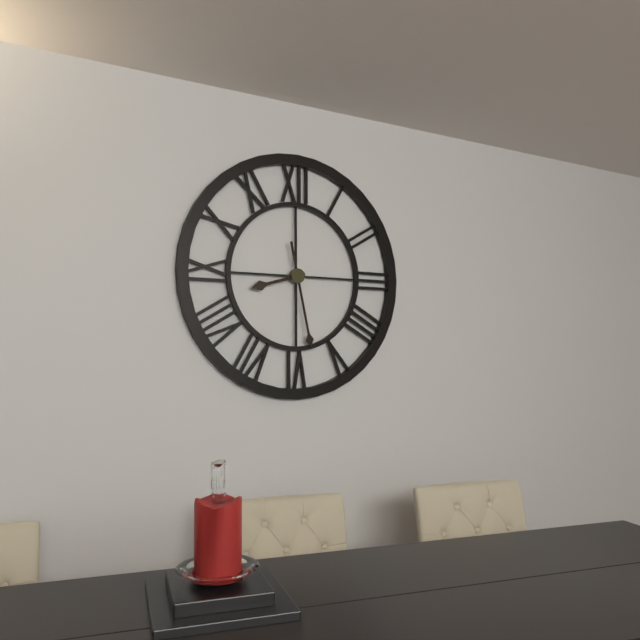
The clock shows 8h28
